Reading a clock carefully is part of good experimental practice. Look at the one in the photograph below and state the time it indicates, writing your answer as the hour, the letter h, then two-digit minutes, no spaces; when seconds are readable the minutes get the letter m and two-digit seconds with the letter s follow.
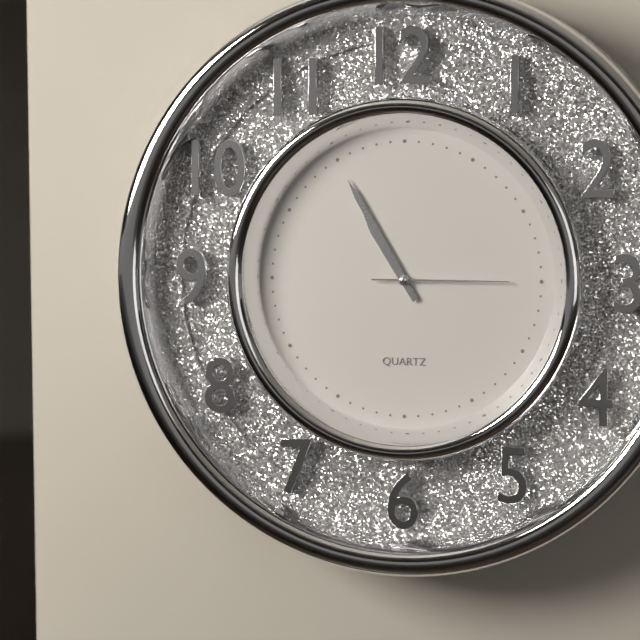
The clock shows 10h55m15s
